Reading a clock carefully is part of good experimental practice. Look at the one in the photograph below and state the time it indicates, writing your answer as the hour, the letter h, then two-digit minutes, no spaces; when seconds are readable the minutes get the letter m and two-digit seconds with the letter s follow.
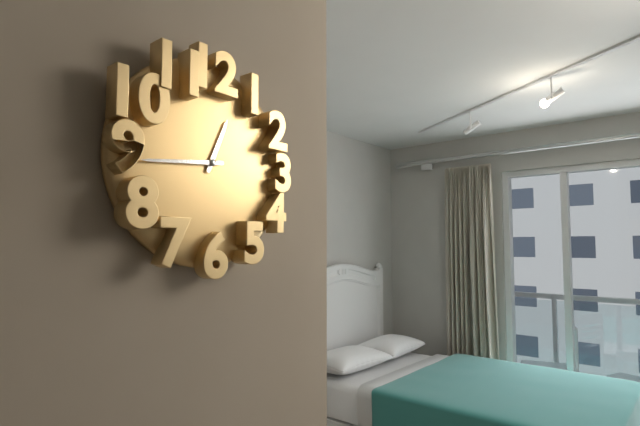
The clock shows 12h44
